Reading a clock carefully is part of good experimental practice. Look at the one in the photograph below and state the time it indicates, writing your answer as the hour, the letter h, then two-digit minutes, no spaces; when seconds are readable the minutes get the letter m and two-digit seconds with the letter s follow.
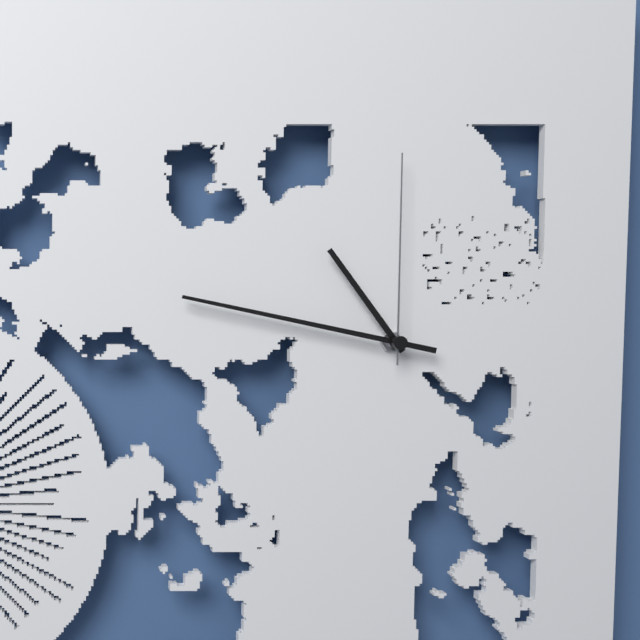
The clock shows 10h47m00s
